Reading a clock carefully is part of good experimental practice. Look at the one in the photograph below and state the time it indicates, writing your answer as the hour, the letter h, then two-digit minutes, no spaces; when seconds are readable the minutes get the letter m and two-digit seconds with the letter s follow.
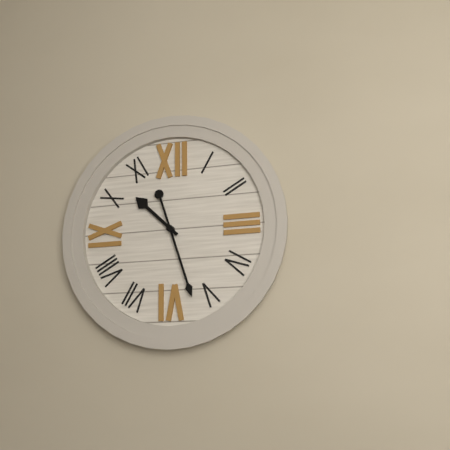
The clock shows 10h27
